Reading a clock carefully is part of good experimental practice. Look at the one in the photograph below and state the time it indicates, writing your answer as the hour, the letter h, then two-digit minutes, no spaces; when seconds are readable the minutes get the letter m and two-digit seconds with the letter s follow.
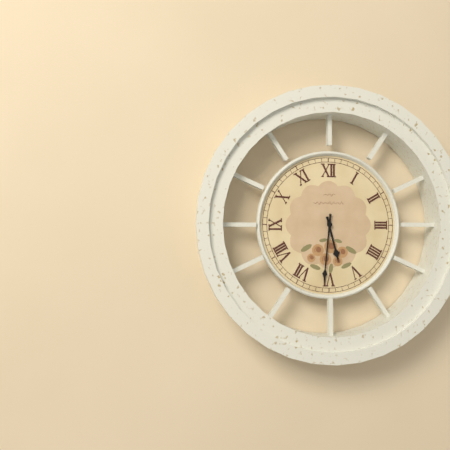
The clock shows 5h31
